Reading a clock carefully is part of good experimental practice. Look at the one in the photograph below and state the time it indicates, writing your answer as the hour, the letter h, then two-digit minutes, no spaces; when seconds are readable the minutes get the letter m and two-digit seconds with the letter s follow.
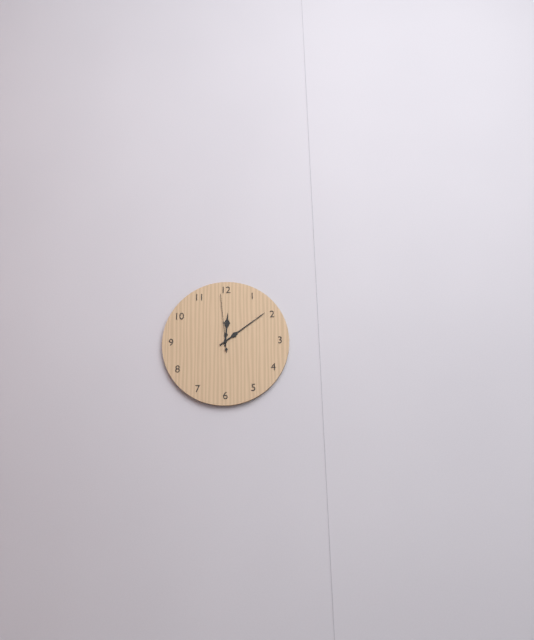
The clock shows 12h09m59s
